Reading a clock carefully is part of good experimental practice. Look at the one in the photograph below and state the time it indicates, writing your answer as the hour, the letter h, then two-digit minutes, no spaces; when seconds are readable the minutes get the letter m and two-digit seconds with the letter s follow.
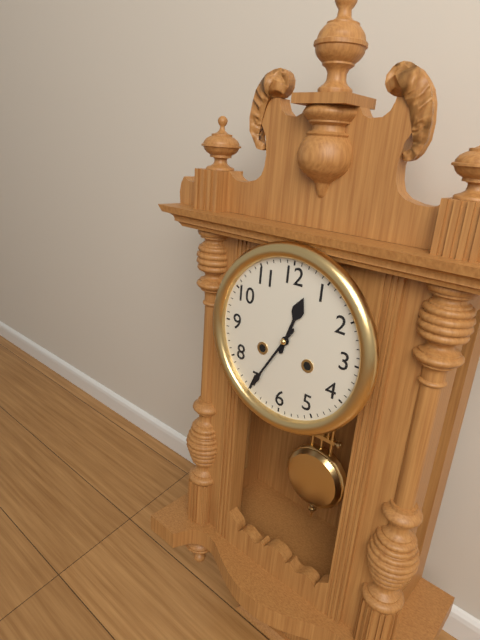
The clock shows 12h35
